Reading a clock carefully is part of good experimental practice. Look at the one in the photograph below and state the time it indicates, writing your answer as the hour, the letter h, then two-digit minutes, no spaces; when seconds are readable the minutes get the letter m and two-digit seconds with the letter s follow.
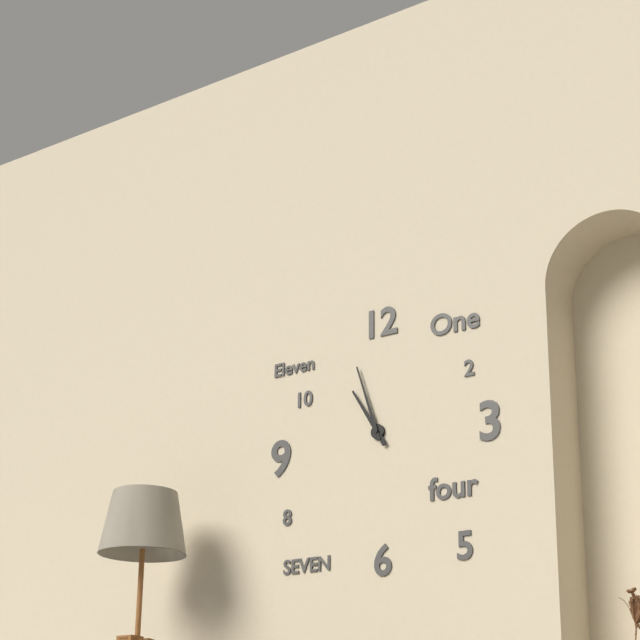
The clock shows 10h57
